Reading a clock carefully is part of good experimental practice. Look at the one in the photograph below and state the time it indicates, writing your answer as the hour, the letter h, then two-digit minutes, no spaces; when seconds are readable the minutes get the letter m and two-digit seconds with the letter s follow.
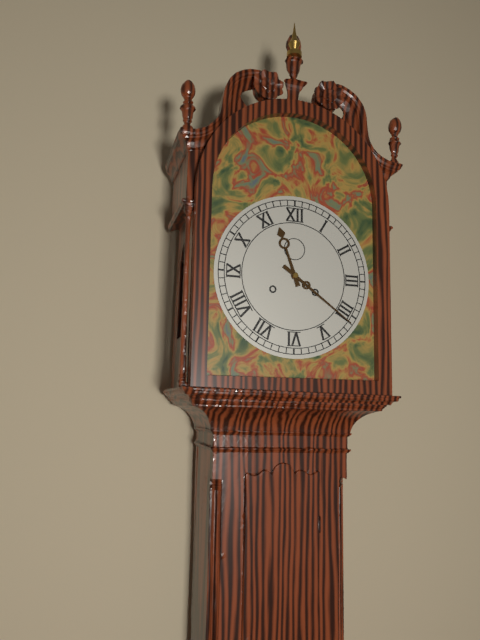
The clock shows 11h21
